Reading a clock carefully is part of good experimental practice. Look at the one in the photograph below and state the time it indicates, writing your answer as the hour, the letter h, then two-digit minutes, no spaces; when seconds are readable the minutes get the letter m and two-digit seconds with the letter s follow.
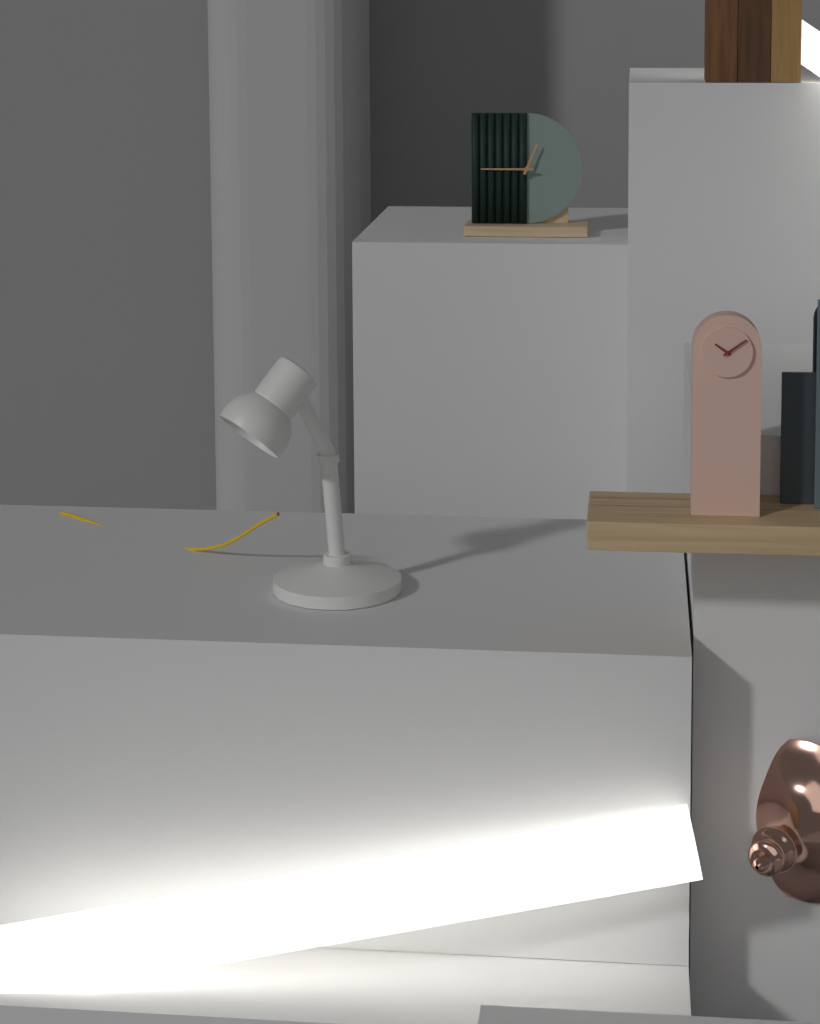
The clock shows 12h45
